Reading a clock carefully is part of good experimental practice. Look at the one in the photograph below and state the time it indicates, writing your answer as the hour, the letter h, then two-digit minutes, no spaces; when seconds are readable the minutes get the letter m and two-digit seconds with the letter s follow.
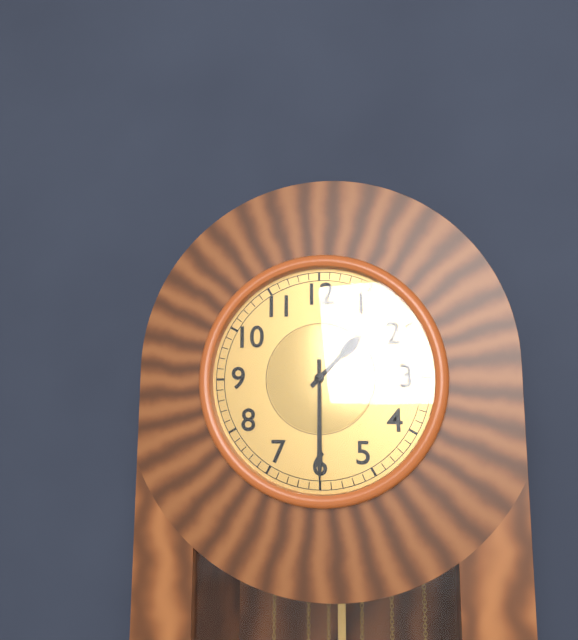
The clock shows 1h30
